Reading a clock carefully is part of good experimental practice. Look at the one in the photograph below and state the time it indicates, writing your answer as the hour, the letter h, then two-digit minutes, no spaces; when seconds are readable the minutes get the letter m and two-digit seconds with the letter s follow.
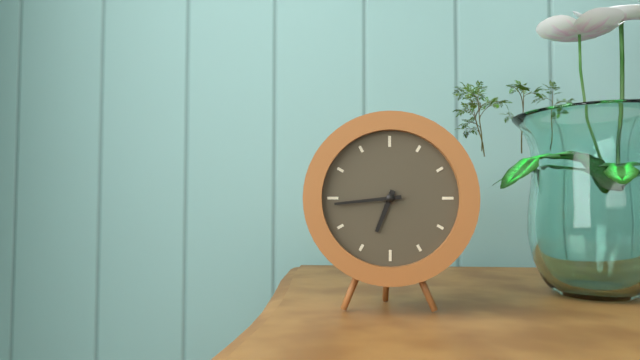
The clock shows 6h44
